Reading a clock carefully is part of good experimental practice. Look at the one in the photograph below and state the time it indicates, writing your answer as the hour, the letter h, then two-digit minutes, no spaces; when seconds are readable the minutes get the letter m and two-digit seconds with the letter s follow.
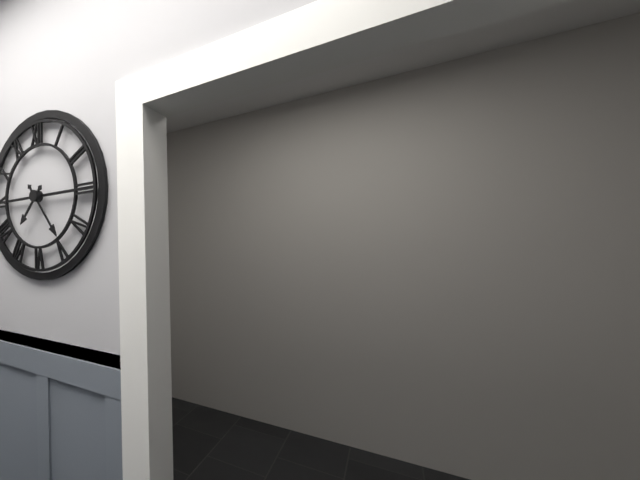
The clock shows 7h24
